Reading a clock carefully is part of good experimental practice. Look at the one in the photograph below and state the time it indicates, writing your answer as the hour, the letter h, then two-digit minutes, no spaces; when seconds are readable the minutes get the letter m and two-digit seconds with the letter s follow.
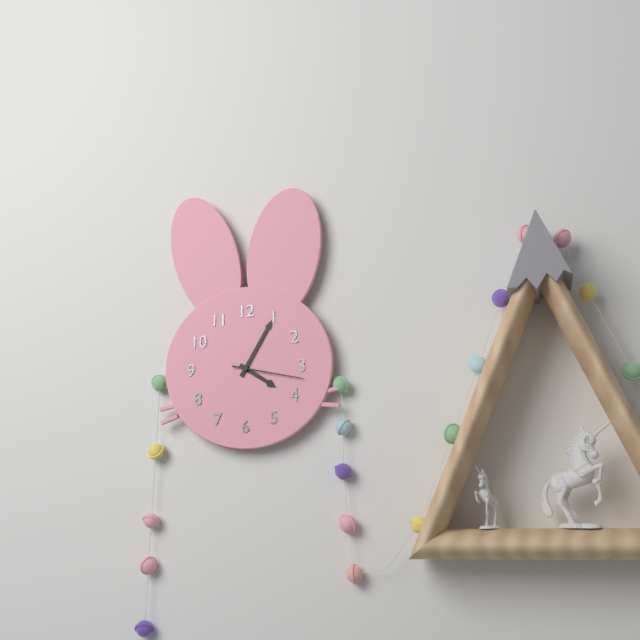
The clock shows 4h05m17s
